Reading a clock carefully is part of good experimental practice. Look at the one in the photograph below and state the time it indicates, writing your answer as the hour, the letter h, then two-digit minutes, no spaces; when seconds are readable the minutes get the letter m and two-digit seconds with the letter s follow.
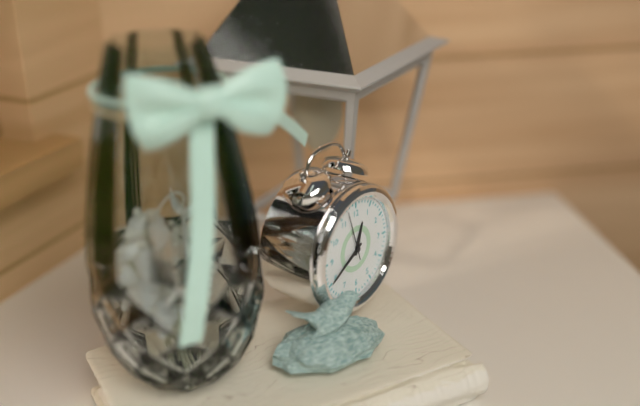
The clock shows 12h40
